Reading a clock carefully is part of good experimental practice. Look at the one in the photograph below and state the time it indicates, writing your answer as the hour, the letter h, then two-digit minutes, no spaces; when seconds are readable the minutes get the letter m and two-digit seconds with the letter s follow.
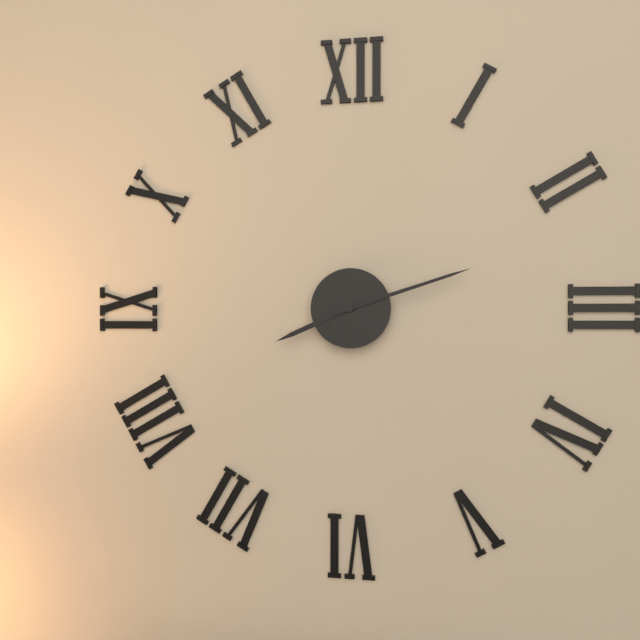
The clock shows 8h12
